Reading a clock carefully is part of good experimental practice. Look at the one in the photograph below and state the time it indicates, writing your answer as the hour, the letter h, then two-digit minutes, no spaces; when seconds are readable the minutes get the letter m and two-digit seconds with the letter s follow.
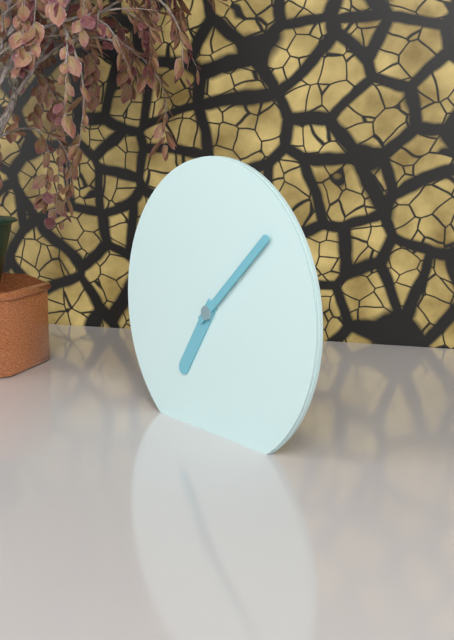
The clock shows 7h08
